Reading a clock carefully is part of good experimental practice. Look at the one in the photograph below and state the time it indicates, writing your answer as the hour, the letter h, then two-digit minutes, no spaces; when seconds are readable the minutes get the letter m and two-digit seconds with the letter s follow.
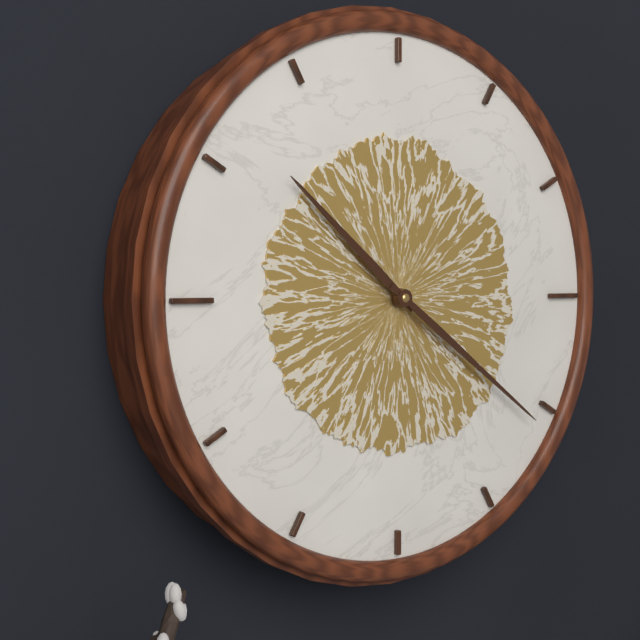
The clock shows 10h21
